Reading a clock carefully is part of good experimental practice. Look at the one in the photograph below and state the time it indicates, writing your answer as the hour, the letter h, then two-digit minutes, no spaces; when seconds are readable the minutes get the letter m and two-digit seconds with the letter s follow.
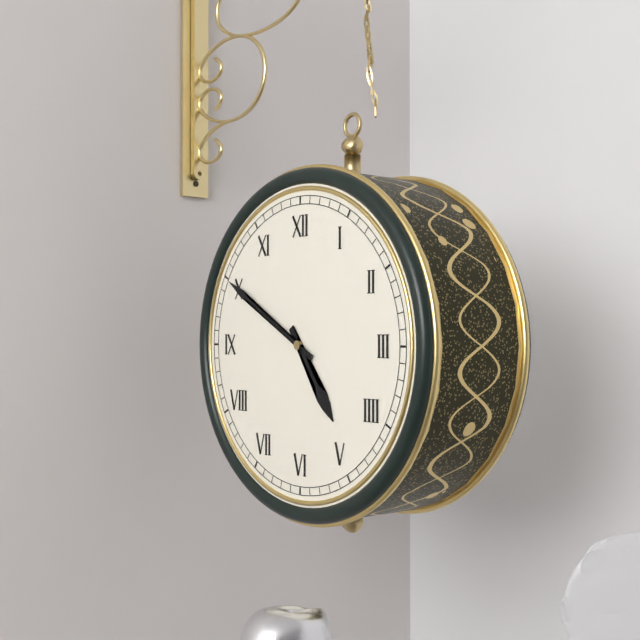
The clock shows 4h50
